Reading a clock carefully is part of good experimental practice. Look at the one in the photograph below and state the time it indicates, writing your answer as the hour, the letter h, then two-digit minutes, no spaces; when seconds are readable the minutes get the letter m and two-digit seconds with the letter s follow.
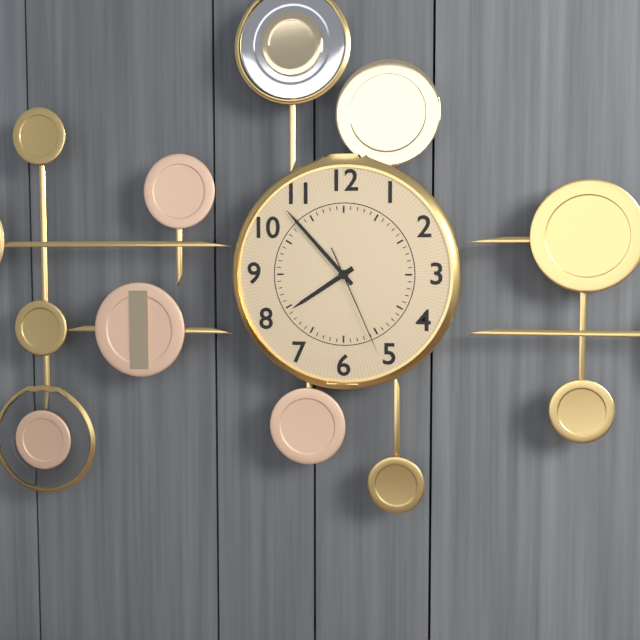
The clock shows 7h53m26s
